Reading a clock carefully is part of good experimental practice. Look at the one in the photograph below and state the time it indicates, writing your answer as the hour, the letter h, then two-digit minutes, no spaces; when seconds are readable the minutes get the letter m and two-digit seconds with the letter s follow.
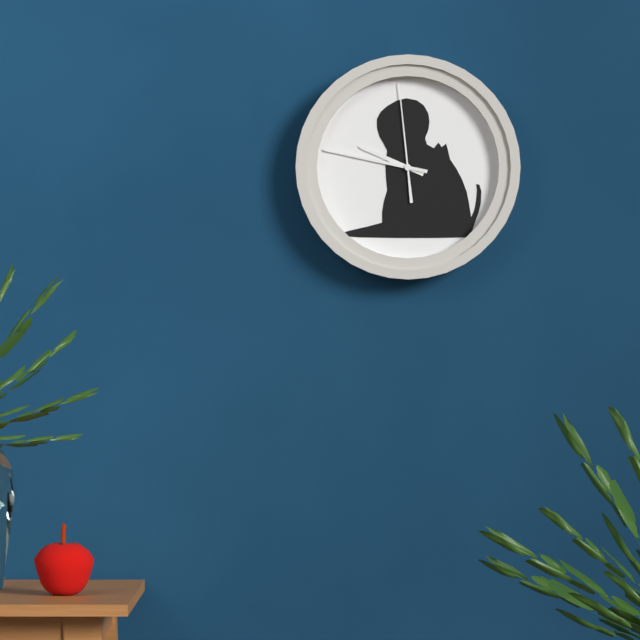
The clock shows 9h47m59s
